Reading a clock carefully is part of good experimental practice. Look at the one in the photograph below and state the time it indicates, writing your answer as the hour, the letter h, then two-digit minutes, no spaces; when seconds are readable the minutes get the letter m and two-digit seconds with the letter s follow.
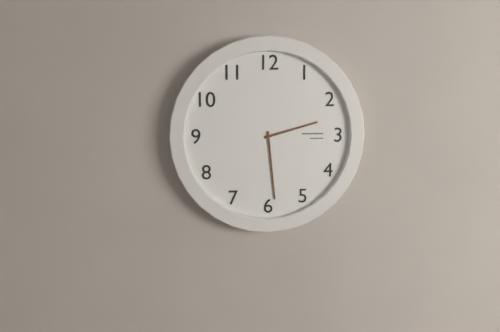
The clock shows 2h29
